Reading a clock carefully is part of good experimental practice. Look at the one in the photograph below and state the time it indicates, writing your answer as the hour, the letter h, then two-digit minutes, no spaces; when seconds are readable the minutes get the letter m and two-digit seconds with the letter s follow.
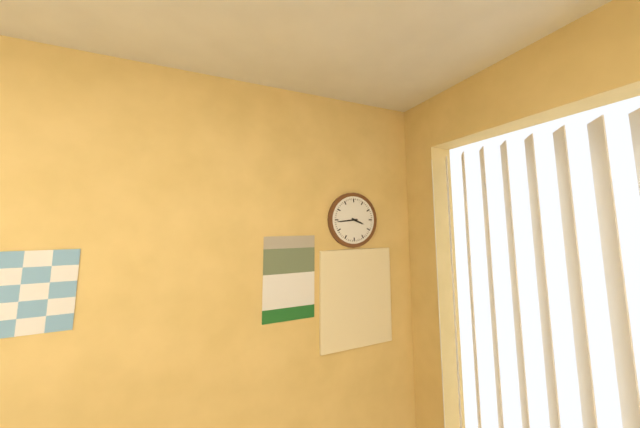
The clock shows 3h44
